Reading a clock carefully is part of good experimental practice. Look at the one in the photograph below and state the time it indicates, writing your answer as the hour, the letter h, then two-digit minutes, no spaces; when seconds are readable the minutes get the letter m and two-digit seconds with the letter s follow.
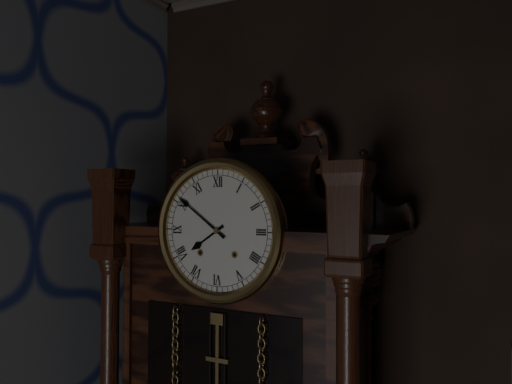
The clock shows 7h51
